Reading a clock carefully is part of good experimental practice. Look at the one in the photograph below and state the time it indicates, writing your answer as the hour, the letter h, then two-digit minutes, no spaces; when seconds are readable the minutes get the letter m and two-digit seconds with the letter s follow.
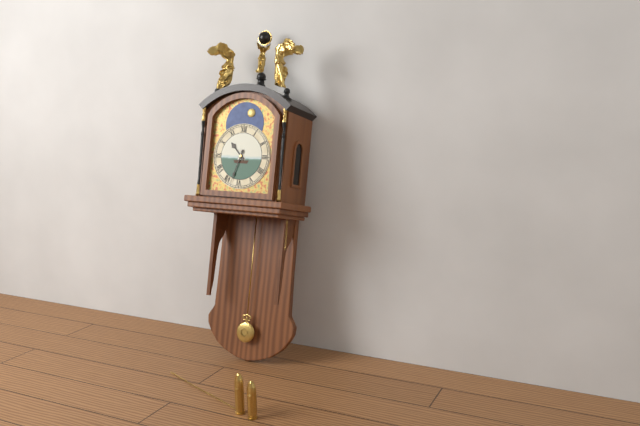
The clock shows 10h33
